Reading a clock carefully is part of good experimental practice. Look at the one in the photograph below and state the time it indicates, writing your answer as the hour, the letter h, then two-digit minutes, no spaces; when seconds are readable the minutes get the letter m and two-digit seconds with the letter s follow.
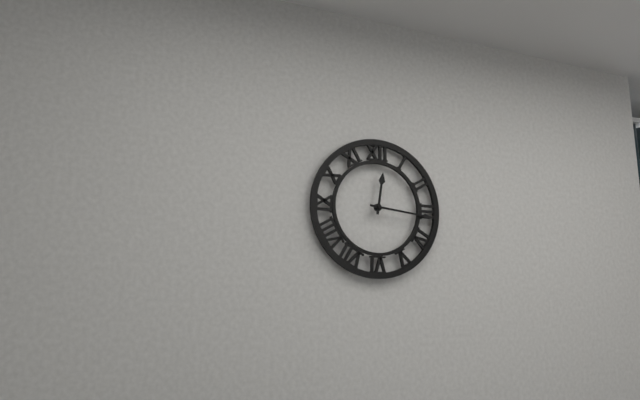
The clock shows 12h16
